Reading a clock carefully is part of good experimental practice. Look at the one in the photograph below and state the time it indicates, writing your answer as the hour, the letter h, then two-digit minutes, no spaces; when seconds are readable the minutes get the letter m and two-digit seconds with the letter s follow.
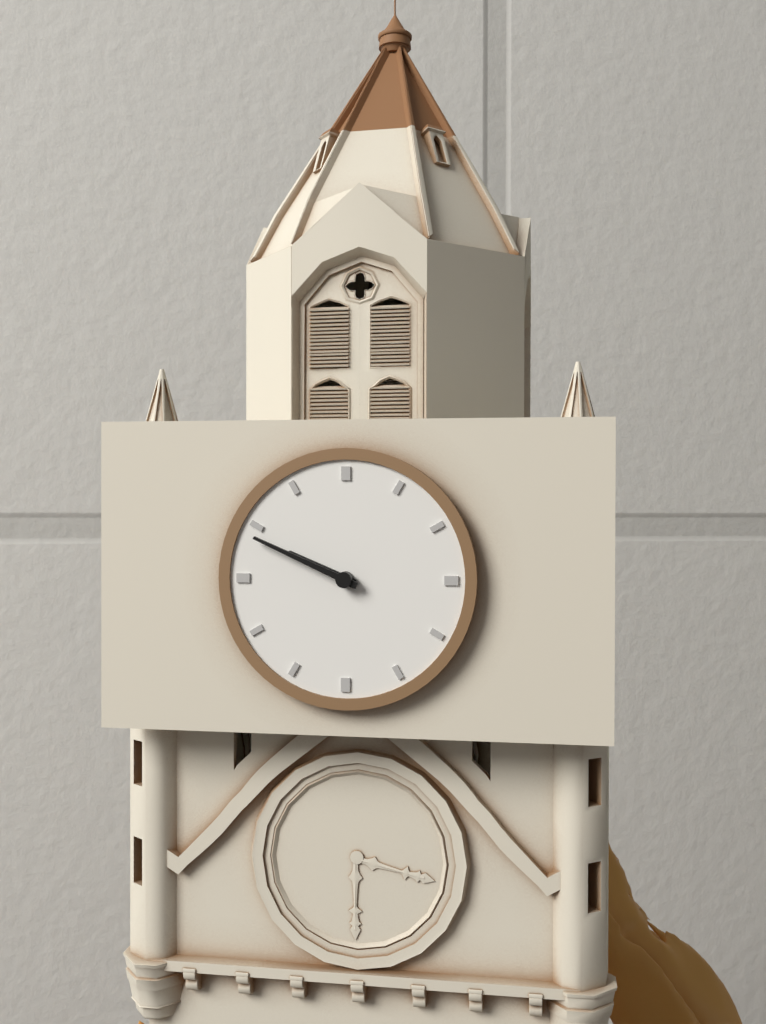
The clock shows 9h49
